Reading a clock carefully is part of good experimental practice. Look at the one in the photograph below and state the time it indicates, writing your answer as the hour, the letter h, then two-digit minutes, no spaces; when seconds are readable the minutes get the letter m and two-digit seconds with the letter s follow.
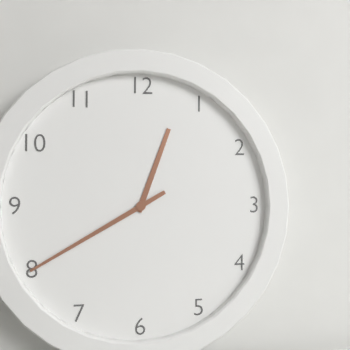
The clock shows 12h40
